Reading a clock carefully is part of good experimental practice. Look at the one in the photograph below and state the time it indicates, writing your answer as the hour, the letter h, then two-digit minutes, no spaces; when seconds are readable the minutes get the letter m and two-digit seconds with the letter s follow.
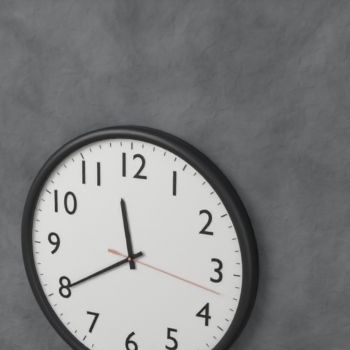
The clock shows 11h40m17s
